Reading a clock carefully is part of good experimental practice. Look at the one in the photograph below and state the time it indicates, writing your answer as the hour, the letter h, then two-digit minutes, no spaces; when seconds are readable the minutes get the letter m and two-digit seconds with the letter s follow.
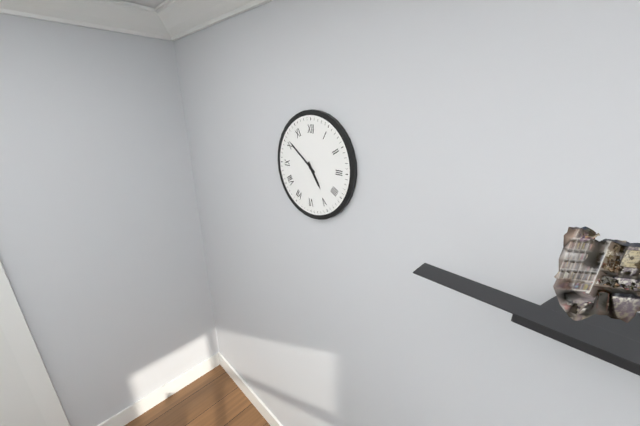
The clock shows 4h51
